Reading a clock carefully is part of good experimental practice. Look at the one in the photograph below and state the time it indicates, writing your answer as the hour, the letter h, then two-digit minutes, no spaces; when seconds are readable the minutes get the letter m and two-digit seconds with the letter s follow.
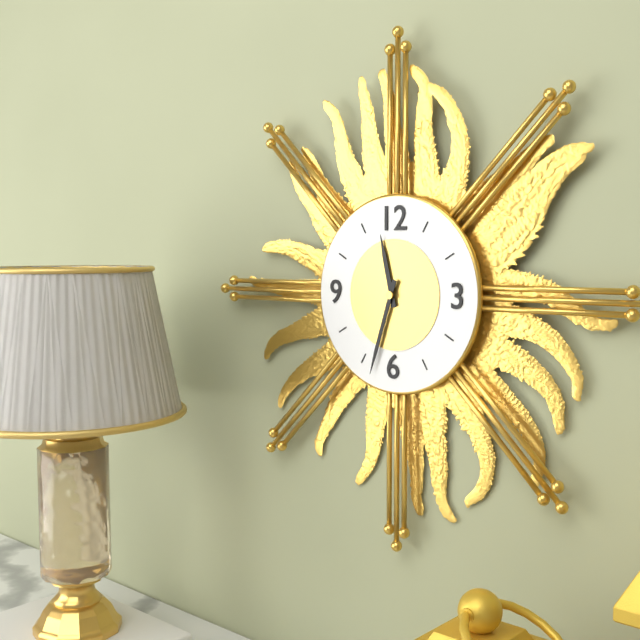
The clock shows 11h33
